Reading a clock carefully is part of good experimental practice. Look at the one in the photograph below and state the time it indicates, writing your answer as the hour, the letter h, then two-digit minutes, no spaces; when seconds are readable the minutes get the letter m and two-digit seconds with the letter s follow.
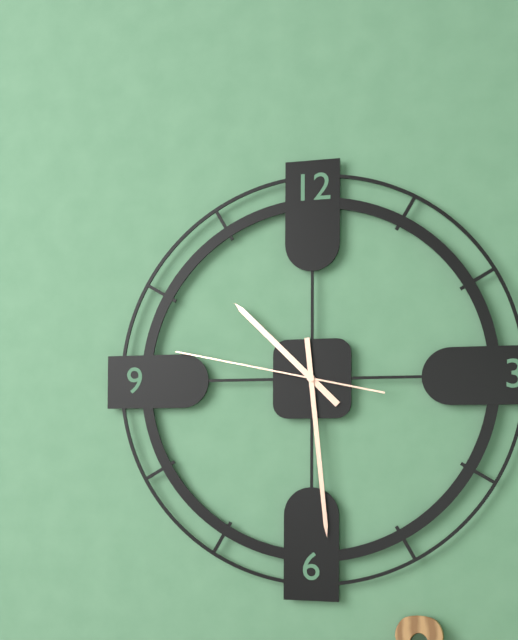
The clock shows 10h29m47s
